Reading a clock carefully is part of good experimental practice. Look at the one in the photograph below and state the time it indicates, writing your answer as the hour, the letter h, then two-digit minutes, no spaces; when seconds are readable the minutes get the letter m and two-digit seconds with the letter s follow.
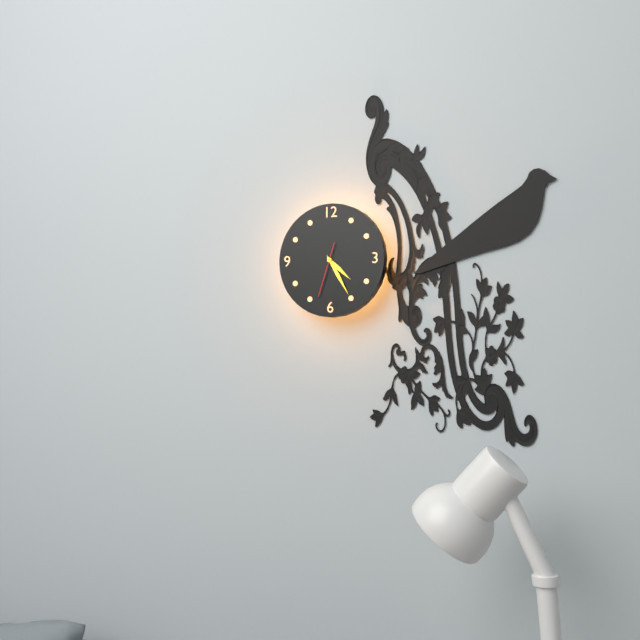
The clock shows 4h25m33s
